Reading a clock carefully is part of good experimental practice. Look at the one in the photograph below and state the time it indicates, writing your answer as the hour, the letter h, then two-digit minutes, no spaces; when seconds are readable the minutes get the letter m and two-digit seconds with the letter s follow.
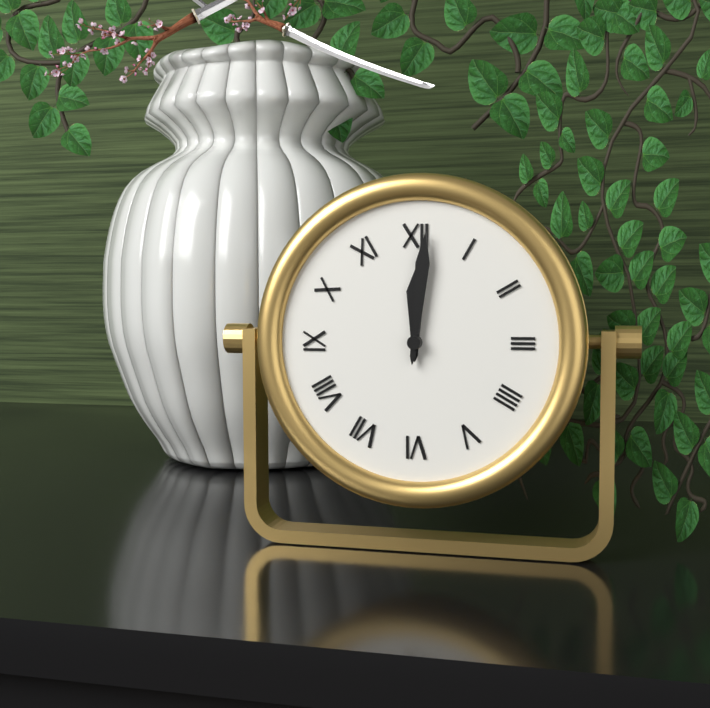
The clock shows 12h01
